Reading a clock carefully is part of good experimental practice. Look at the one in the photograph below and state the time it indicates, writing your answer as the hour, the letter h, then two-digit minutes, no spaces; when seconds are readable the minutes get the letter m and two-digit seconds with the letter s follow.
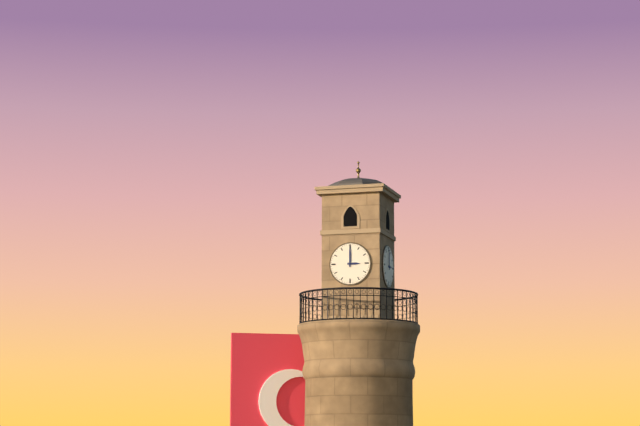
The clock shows 3h00
